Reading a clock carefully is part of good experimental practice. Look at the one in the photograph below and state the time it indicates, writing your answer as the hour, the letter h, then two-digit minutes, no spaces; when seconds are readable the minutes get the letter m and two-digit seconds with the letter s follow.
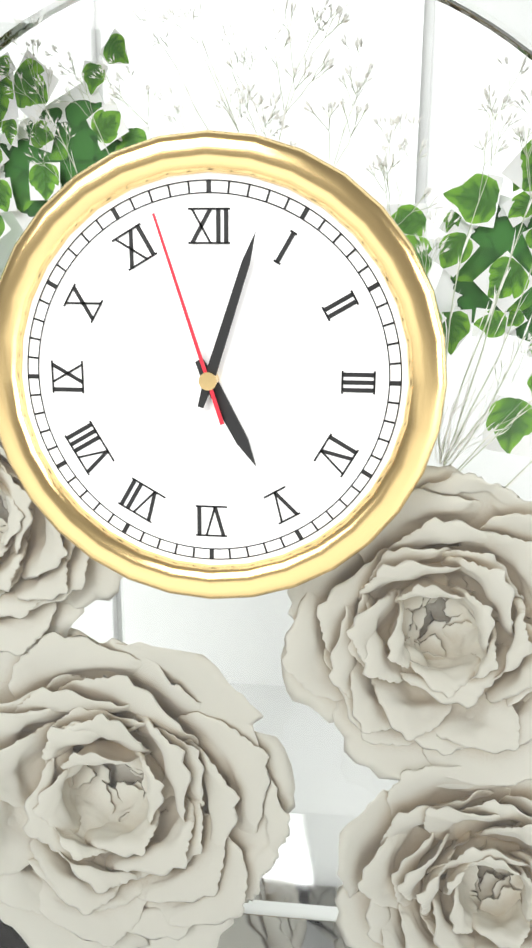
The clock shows 5h03m57s
